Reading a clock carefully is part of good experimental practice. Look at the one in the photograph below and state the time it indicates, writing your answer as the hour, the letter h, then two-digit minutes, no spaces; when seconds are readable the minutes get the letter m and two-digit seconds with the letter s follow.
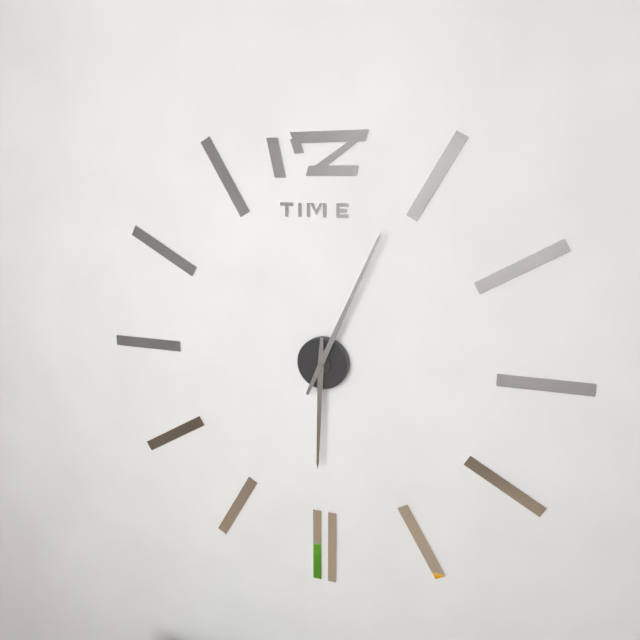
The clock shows 6h04
